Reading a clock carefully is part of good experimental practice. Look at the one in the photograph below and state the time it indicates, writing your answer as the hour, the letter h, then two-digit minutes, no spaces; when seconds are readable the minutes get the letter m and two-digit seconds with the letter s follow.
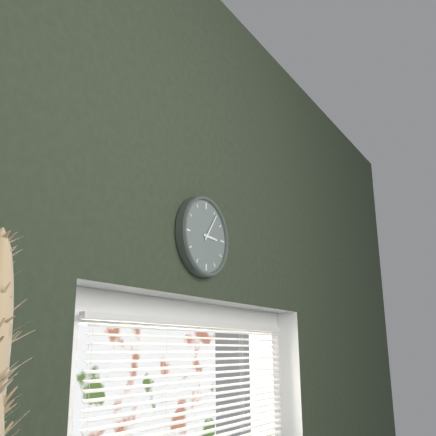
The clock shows 3h06
